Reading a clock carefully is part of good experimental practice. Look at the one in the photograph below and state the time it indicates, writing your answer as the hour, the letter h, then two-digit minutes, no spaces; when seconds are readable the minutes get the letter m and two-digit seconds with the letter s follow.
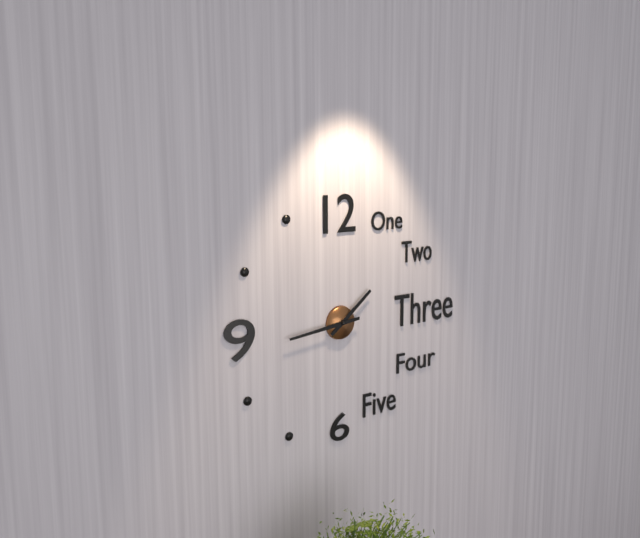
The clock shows 1h44
